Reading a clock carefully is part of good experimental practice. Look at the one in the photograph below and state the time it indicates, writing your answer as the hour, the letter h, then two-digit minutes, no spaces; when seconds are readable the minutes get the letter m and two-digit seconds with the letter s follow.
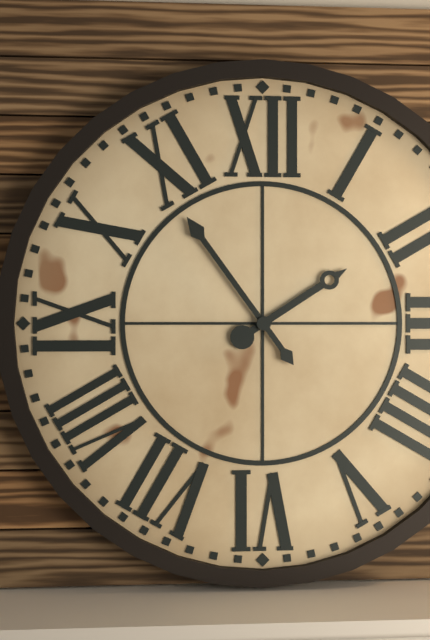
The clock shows 1h54
